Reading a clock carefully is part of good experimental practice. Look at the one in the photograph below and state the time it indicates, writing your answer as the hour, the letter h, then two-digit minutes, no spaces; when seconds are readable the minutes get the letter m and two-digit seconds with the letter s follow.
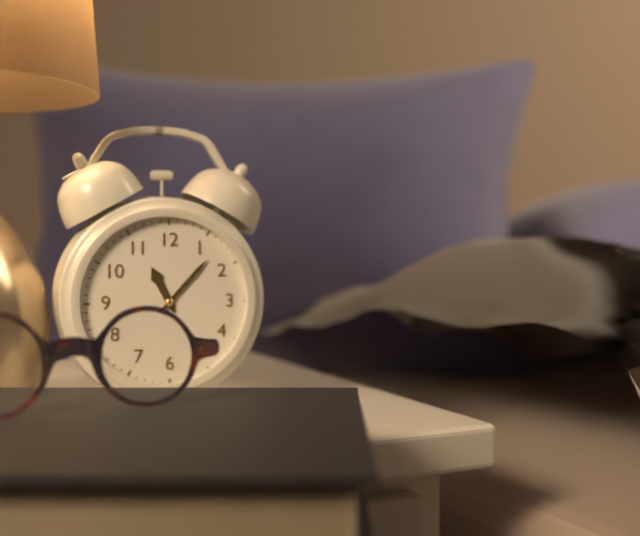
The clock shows 11h07
